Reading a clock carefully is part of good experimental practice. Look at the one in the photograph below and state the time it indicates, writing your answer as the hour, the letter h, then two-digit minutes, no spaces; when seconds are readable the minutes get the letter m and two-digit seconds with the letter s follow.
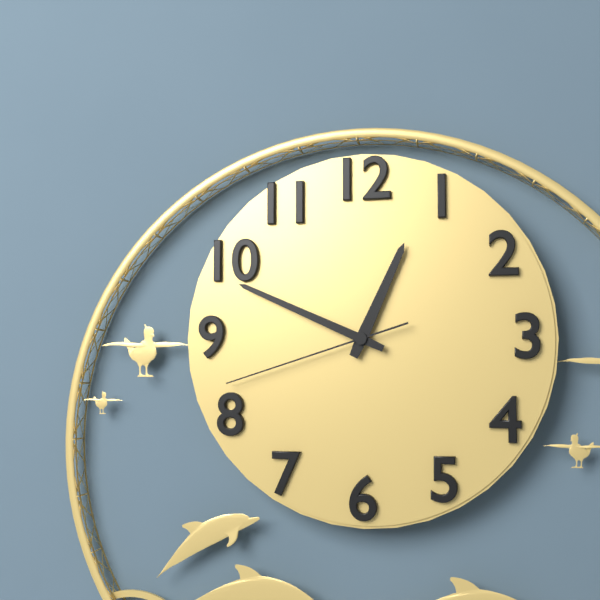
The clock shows 12h49m42s
